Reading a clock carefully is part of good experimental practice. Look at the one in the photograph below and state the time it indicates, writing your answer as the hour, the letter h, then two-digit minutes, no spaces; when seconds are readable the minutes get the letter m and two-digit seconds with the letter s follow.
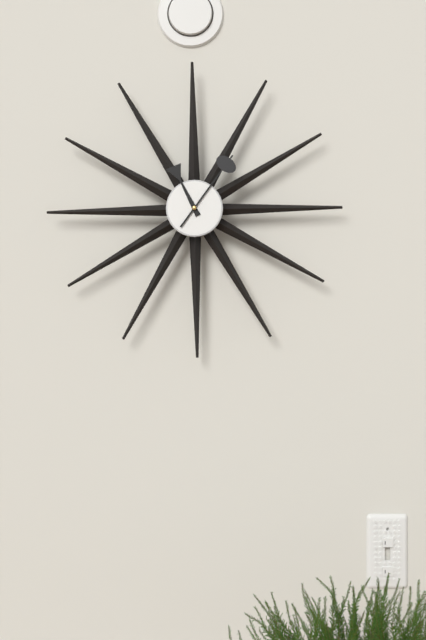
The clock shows 11h06
